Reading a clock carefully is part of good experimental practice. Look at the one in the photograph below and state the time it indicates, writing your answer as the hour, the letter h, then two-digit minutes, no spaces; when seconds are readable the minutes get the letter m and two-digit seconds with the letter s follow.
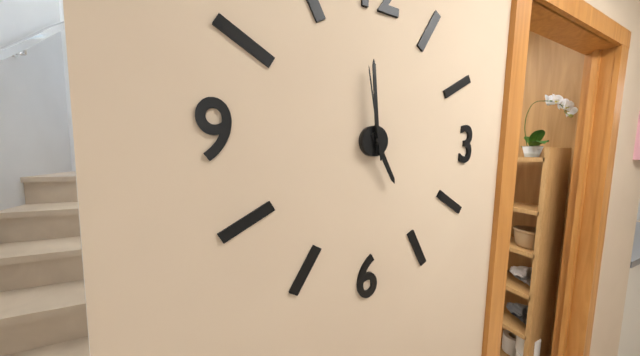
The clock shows 4h59m58s
